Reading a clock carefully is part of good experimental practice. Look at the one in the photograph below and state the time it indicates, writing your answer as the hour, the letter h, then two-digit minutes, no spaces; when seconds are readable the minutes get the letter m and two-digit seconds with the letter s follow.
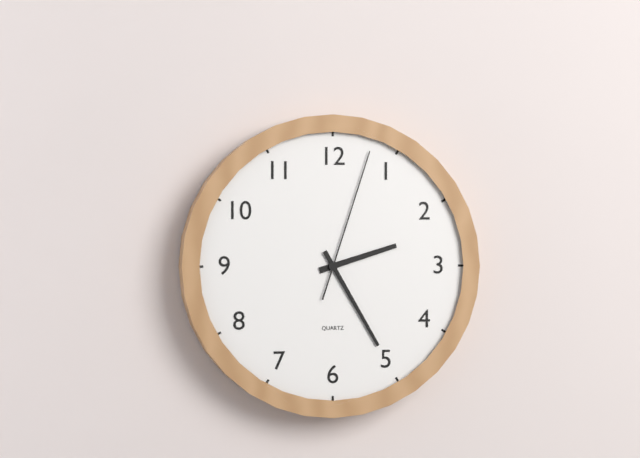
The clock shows 2h25m03s
